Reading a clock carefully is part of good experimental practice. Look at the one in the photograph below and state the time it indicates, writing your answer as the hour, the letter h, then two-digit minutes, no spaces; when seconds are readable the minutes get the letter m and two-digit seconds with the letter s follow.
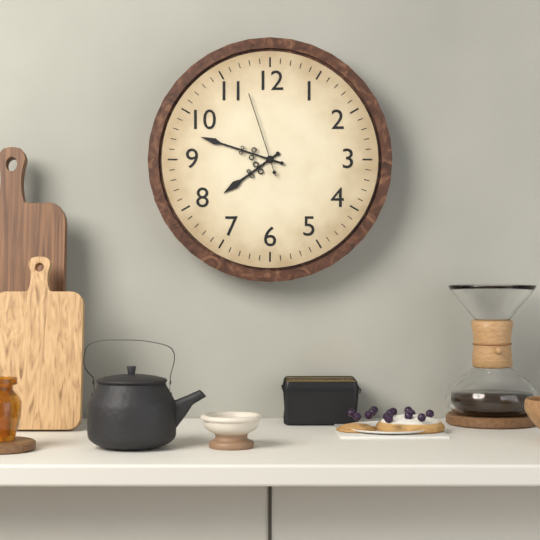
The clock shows 7h48m57s
